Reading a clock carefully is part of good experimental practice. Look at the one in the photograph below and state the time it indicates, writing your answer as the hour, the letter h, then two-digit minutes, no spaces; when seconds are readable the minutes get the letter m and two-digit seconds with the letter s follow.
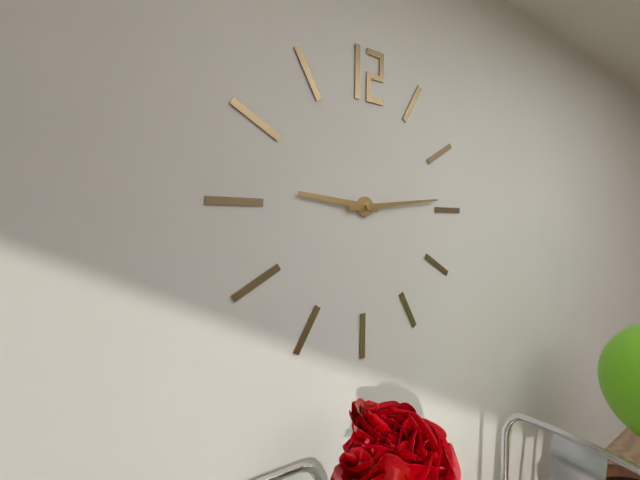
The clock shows 9h14
